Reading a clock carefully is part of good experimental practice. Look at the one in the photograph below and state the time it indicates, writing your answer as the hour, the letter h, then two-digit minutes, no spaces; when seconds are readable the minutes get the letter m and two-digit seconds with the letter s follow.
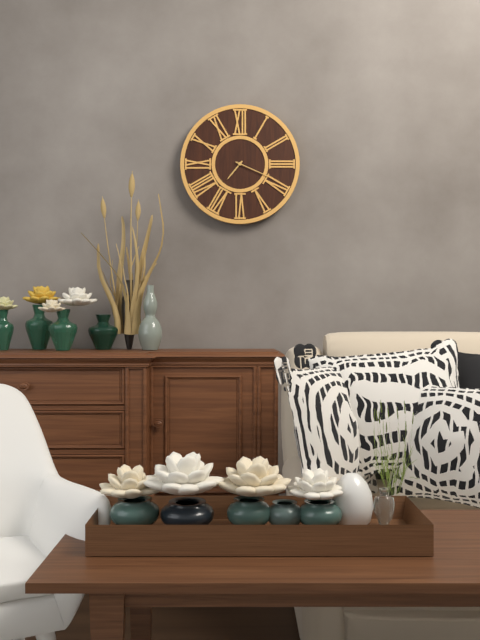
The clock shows 7h19
